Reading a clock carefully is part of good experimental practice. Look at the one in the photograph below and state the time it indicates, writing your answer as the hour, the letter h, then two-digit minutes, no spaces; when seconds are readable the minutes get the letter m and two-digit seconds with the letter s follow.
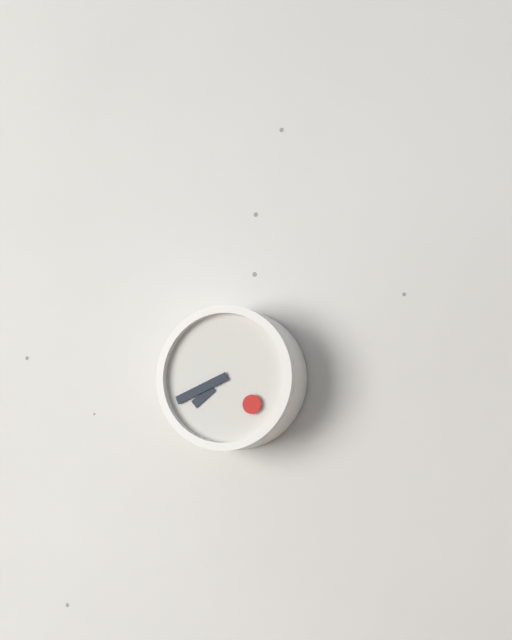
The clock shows 7h41m22s
